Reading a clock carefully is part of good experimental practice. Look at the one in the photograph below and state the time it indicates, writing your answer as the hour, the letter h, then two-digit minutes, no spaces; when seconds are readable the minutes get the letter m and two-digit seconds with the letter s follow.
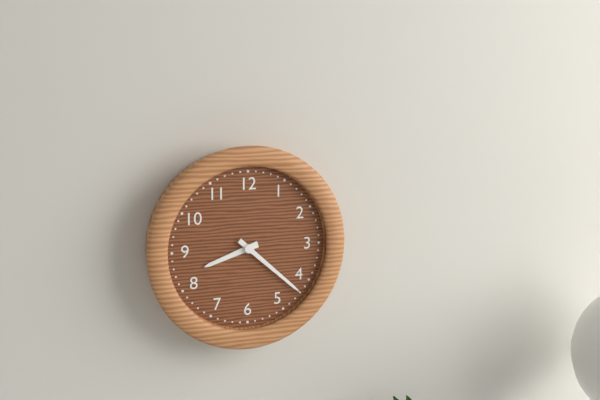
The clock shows 8h22
